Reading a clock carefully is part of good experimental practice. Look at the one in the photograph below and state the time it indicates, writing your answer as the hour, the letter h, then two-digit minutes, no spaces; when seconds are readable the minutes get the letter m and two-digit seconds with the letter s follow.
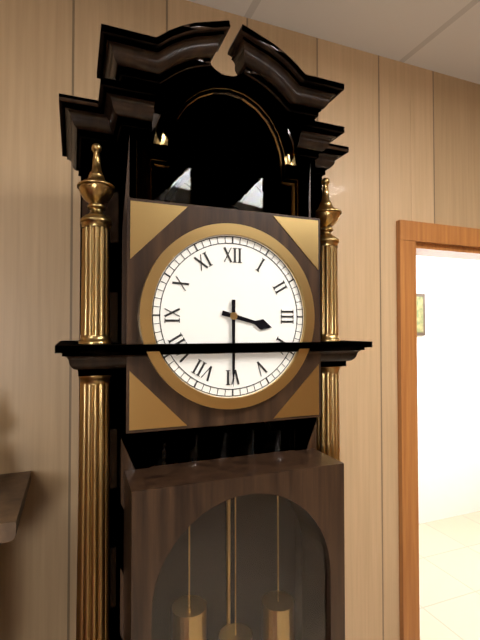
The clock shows 3h30
